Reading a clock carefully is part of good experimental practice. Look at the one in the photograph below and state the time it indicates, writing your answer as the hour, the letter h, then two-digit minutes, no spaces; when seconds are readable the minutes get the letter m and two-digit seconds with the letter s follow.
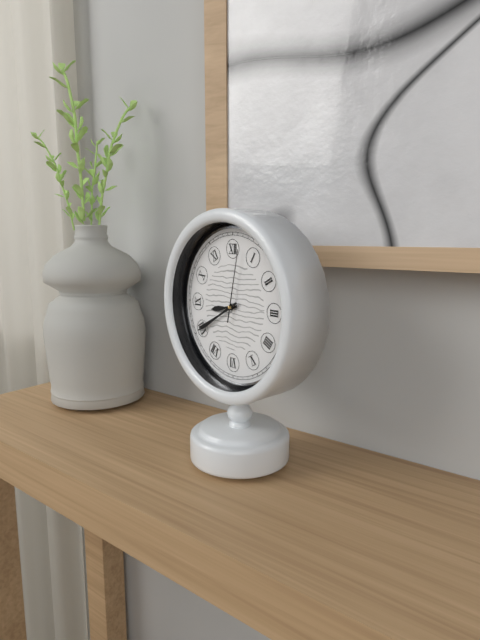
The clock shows 8h40m02s
